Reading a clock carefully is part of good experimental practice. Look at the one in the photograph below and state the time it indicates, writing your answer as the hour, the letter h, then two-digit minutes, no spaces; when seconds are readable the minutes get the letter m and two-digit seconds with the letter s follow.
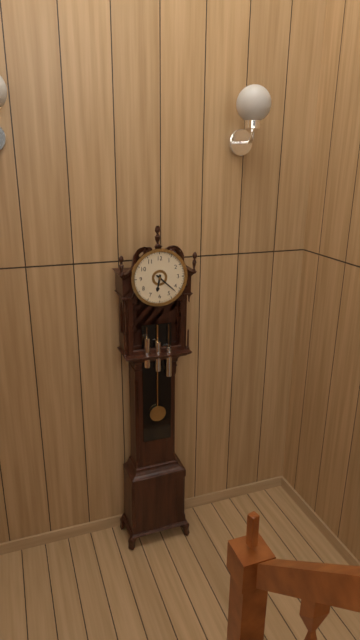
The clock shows 6h22
